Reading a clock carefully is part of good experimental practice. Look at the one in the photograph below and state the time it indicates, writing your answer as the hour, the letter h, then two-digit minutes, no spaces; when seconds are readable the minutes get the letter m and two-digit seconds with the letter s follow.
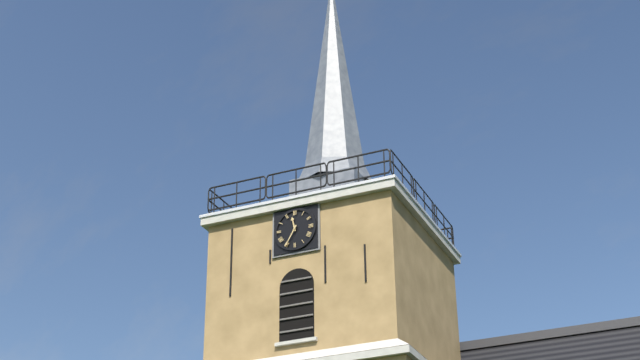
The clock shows 11h35
